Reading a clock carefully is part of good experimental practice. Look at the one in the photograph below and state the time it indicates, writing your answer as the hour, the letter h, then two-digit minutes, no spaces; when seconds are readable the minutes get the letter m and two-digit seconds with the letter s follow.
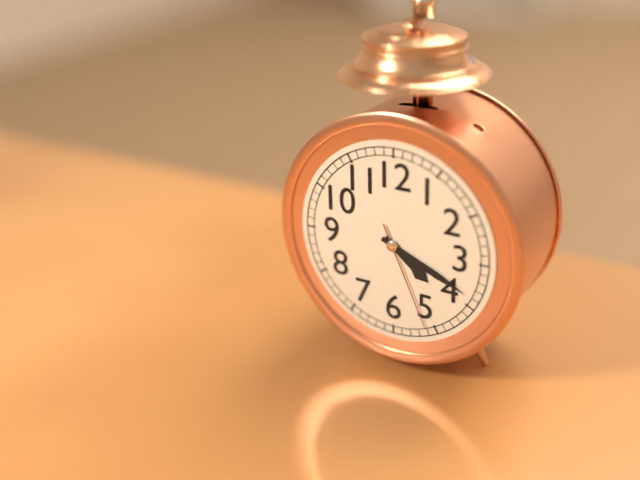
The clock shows 4h19m26s
